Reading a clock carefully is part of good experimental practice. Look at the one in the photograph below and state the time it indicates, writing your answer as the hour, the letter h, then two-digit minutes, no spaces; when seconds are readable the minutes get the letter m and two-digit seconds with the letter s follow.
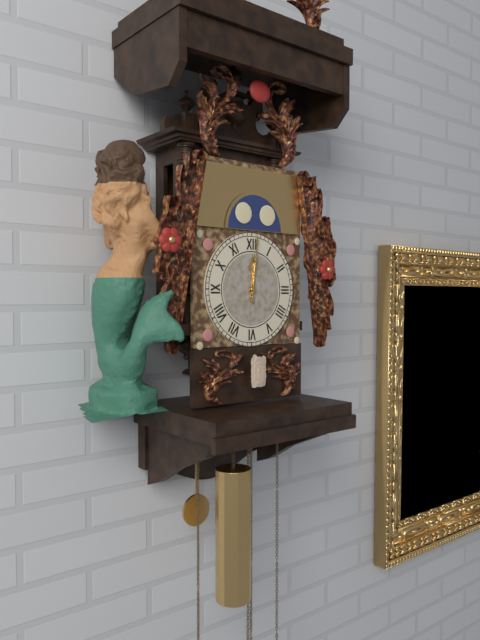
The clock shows 12h01
